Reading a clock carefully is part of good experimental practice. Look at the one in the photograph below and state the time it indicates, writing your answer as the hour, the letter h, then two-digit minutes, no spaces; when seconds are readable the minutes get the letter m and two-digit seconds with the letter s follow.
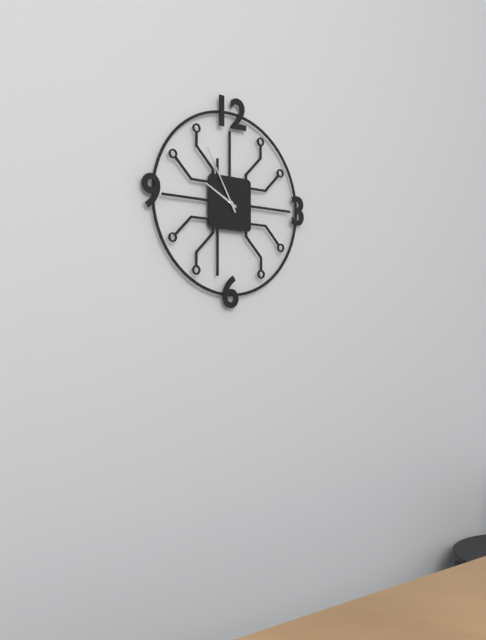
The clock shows 9h55
